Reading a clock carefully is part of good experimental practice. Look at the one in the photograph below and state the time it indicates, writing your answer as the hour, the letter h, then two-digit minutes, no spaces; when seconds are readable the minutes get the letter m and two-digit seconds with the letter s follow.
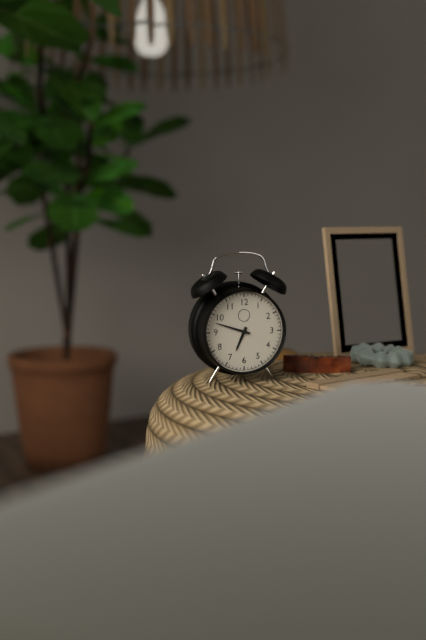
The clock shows 6h48
